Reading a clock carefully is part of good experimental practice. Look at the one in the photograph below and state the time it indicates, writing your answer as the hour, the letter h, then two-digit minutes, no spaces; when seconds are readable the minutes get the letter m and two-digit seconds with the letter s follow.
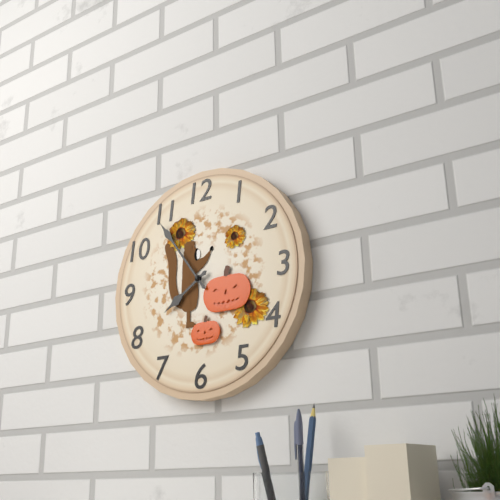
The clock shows 7h54
